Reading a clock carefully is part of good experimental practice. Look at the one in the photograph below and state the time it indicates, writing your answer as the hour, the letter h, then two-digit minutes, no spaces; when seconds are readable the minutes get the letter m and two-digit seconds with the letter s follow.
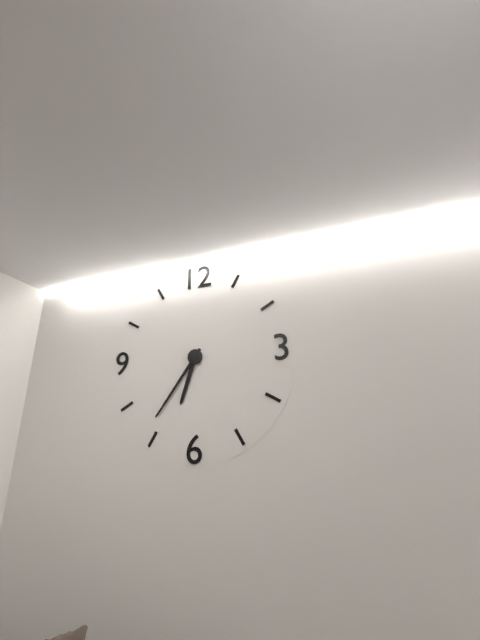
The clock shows 6h36
